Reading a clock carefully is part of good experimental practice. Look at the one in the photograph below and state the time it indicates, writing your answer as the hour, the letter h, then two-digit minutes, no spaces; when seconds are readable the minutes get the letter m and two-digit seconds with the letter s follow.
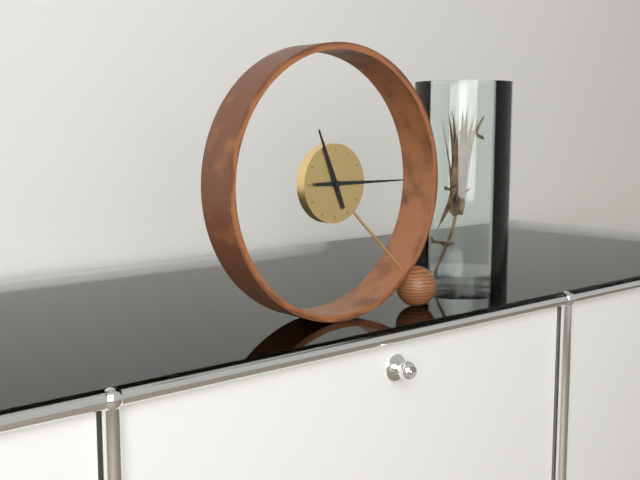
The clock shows 11h15
